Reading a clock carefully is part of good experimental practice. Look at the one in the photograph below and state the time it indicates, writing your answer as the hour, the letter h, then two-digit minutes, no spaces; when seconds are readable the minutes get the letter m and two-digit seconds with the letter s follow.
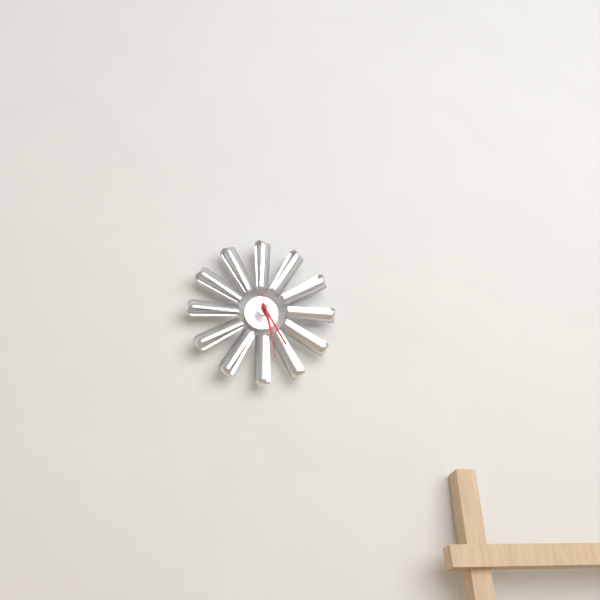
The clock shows 5h25m28s
